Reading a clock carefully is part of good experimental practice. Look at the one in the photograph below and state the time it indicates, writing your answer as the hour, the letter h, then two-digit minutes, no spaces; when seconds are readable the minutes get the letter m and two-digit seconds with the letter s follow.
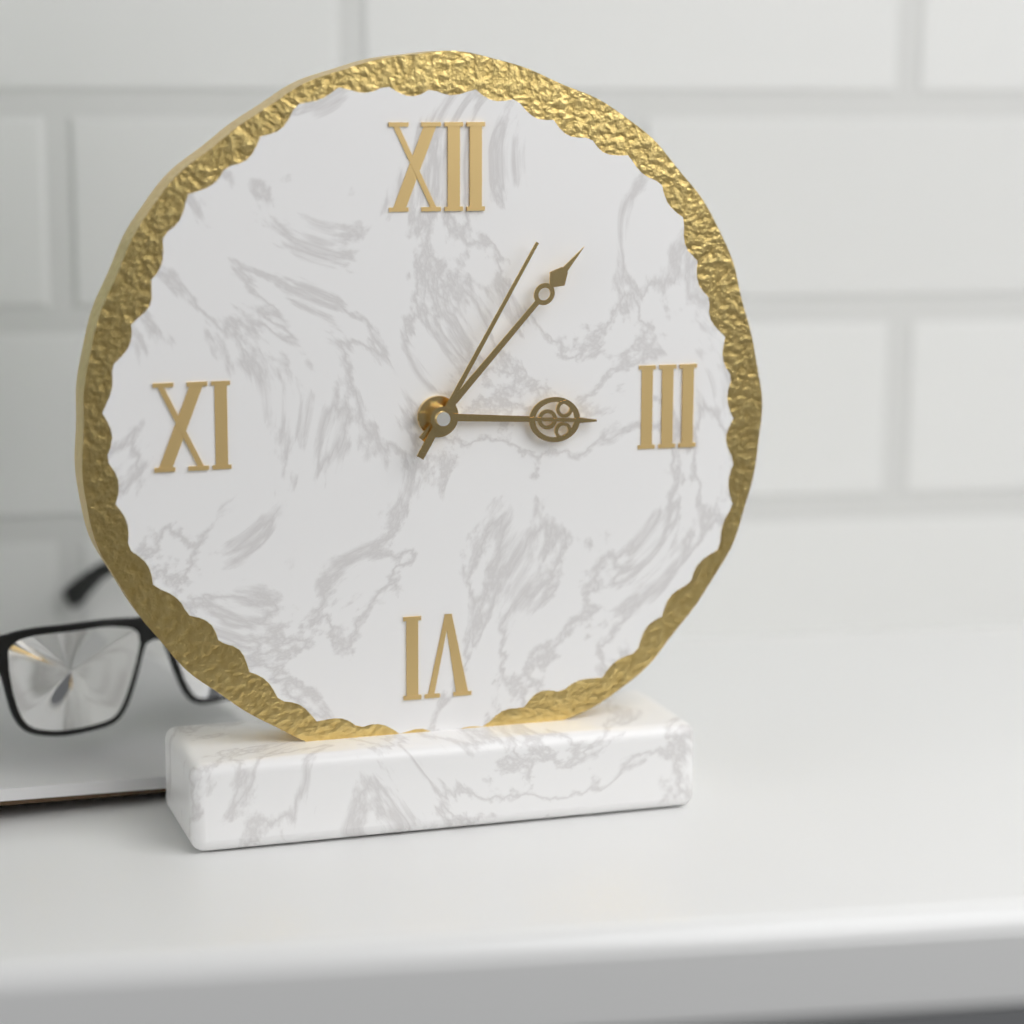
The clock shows 3h07m05s
